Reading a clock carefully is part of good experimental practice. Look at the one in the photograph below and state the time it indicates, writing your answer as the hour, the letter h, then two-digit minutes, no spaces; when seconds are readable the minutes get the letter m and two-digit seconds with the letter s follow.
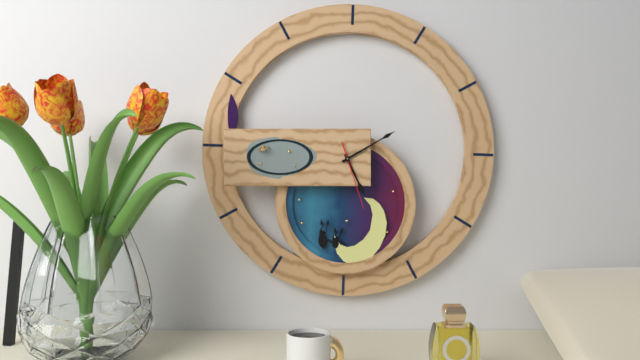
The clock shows 5h10m27s
